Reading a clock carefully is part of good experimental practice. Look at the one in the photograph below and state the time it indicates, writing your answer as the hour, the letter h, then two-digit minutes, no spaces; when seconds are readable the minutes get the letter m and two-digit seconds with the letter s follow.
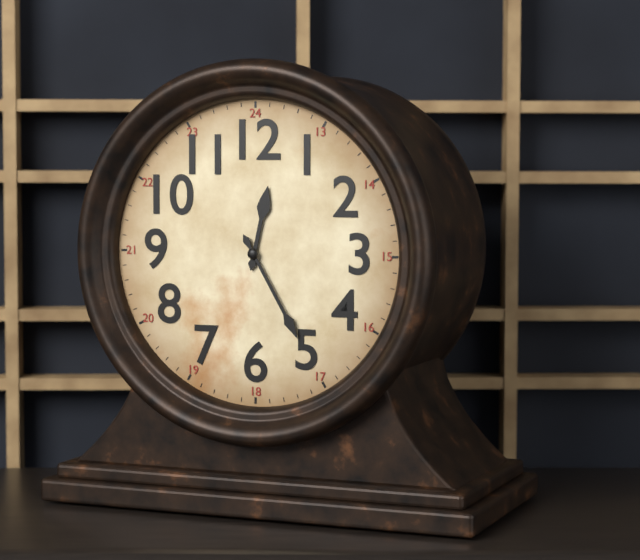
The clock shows 12h25
